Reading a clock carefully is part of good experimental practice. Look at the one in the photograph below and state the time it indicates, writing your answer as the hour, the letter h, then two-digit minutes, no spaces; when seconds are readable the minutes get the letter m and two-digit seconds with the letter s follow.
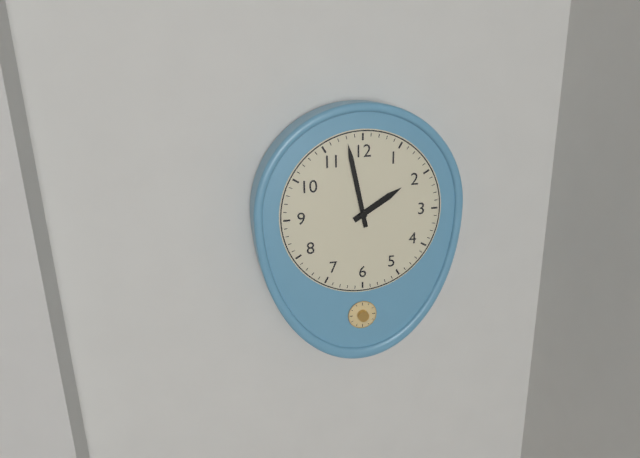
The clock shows 1h58
